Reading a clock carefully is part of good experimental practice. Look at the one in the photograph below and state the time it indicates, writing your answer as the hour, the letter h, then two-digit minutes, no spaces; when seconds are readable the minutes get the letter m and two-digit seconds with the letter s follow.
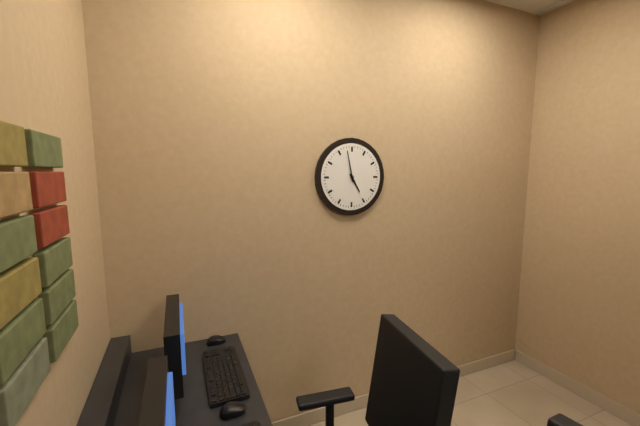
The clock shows 4h58
